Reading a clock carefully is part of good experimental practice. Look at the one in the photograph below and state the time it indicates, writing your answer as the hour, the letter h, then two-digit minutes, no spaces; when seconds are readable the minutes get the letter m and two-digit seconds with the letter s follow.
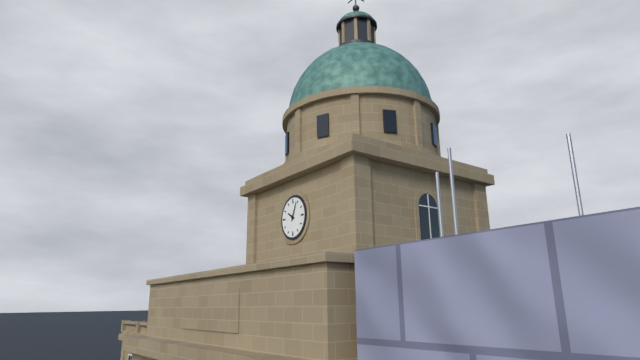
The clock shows 10h04
